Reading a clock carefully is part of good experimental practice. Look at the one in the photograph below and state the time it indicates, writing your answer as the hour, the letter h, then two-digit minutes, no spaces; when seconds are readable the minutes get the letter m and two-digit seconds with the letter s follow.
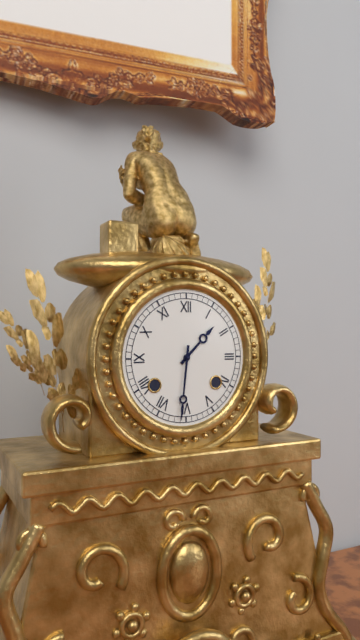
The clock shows 1h31
